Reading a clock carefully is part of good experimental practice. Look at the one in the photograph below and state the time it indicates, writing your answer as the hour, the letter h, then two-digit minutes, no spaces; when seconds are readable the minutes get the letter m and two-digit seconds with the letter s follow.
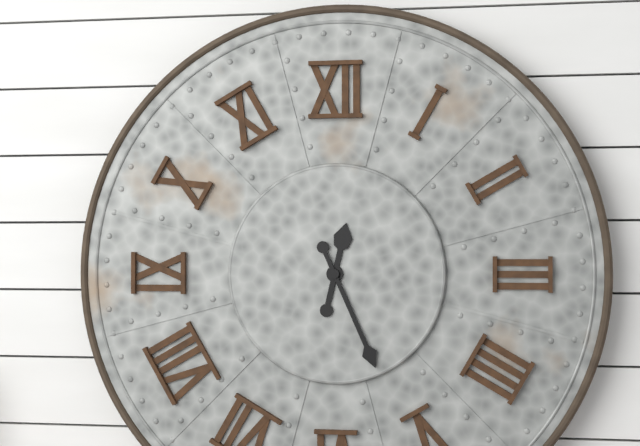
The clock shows 12h26
